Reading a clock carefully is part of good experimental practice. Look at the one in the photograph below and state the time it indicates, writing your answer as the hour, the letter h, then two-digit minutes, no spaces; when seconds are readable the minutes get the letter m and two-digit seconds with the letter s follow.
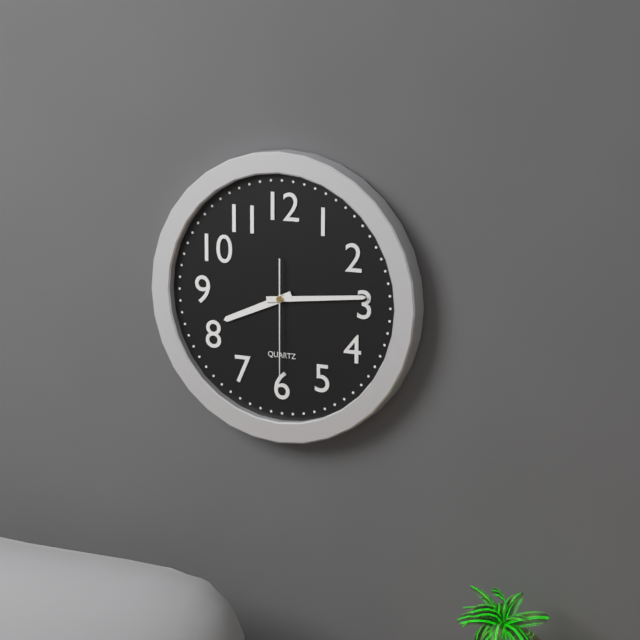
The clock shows 8h14m30s
